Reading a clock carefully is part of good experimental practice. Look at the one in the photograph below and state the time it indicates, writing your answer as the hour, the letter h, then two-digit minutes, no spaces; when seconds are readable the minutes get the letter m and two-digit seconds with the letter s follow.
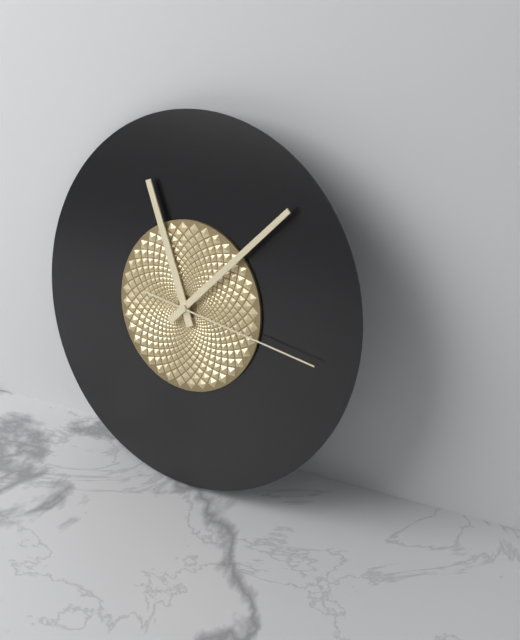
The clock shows 11h07m16s
